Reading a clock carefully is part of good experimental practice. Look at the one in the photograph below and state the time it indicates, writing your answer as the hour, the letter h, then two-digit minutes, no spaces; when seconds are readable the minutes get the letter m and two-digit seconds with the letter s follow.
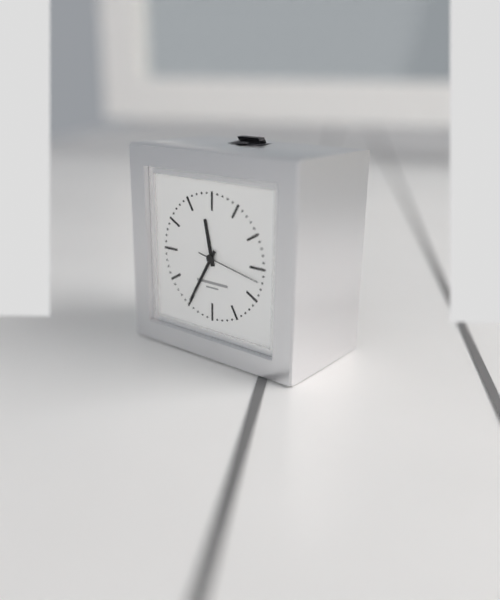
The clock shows 11h35m17s
